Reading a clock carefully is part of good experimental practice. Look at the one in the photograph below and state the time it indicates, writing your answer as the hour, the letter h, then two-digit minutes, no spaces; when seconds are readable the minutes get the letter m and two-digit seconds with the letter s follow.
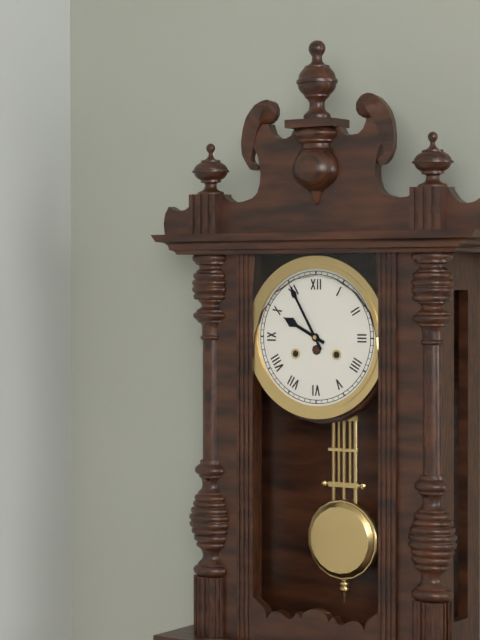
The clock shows 9h55
